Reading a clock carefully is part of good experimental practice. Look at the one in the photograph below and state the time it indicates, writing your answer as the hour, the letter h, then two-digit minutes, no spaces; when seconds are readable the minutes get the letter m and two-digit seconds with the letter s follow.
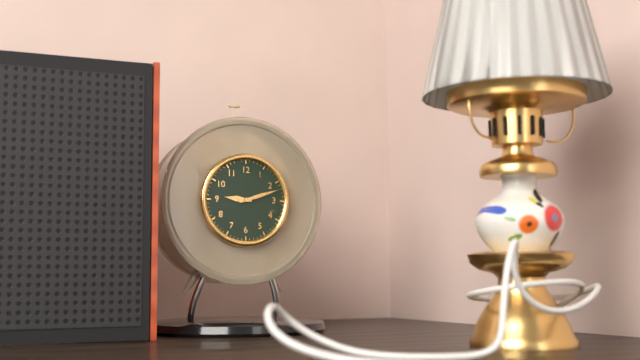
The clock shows 9h12
